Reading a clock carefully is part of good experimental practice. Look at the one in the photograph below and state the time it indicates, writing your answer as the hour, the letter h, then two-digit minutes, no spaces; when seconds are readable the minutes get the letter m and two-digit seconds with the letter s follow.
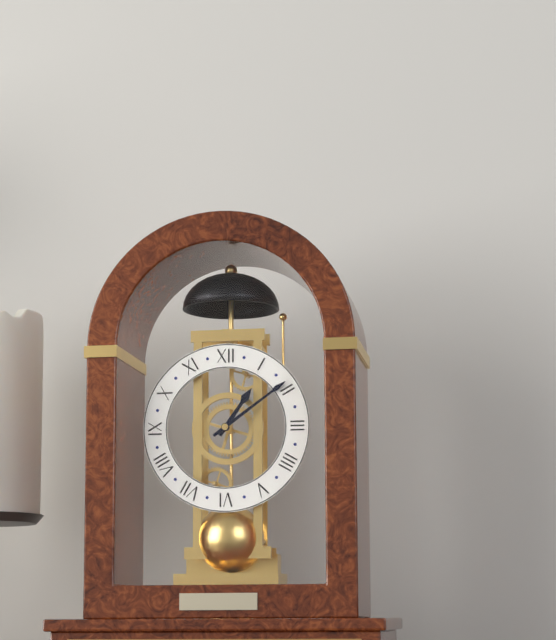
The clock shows 1h09
